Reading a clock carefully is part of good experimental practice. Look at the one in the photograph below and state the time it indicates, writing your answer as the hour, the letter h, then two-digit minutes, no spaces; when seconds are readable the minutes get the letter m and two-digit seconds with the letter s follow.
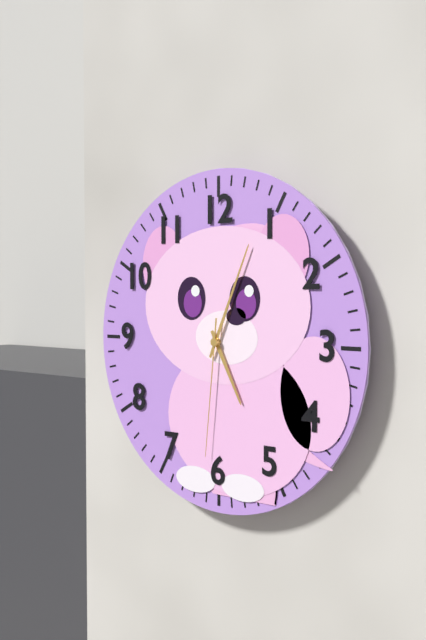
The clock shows 5h04m31s
